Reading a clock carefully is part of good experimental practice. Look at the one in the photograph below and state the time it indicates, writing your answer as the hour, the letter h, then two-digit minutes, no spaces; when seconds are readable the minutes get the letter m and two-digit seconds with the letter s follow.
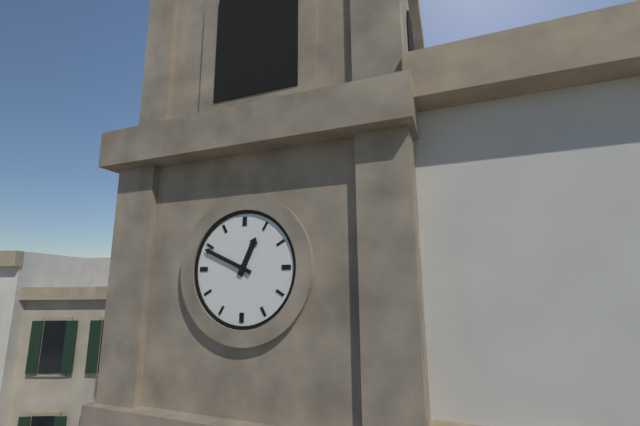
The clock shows 12h49
